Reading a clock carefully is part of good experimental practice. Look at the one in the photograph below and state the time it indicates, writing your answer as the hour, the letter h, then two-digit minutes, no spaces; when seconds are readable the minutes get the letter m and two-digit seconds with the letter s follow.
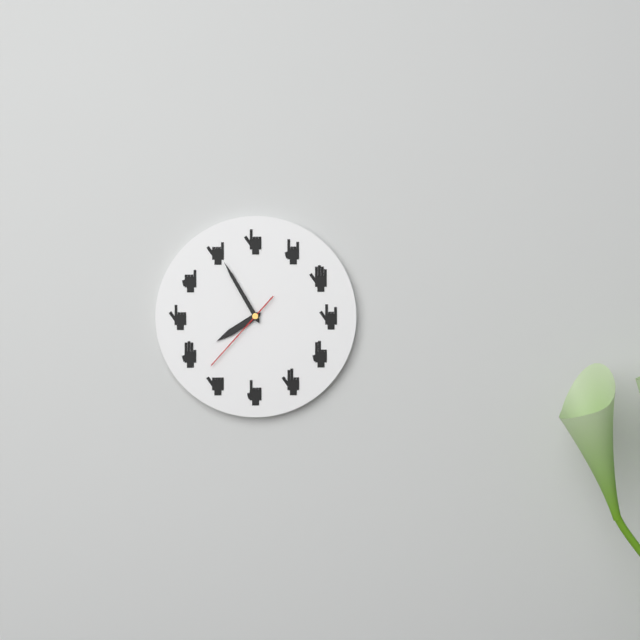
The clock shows 7h55m37s
